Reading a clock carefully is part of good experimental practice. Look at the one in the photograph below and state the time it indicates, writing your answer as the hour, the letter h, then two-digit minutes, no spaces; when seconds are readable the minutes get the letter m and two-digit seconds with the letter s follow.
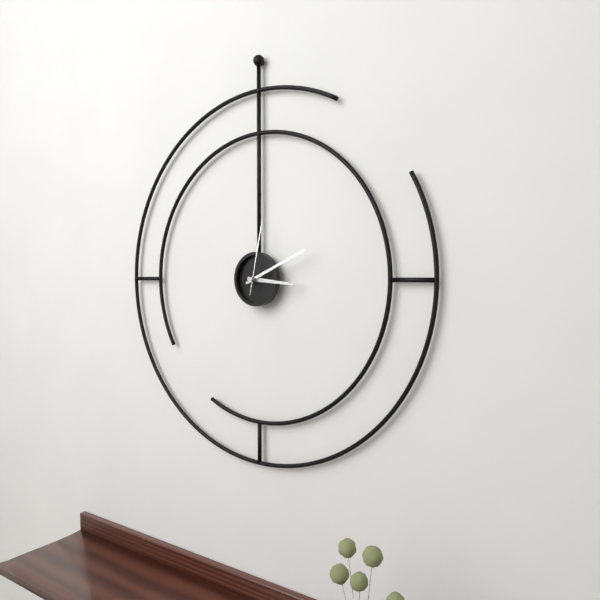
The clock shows 3h11m02s
